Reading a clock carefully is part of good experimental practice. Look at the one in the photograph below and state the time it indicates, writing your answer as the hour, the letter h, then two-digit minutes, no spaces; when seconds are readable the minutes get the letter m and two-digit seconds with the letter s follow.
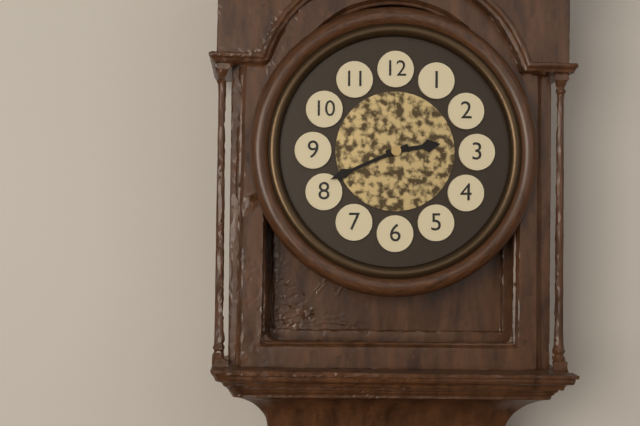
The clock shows 2h41
